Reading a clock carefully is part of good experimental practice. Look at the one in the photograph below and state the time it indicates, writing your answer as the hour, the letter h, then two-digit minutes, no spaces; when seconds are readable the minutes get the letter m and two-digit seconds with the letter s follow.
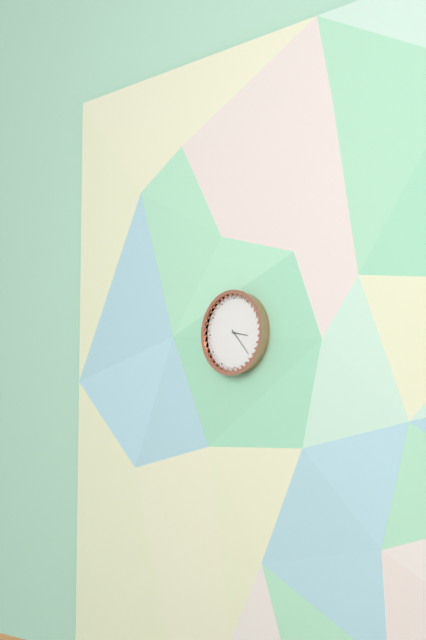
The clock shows 3h23
